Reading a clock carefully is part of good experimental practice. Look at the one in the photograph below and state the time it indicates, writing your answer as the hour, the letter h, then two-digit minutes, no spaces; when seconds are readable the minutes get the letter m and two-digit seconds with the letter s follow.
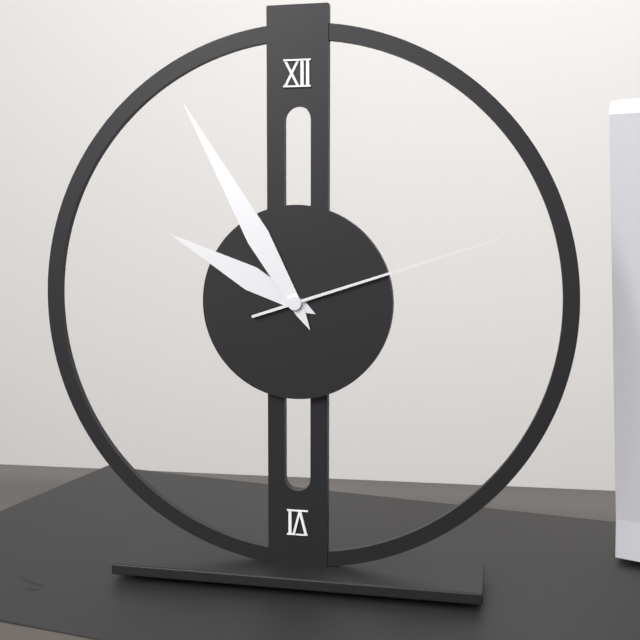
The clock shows 9h55m12s
